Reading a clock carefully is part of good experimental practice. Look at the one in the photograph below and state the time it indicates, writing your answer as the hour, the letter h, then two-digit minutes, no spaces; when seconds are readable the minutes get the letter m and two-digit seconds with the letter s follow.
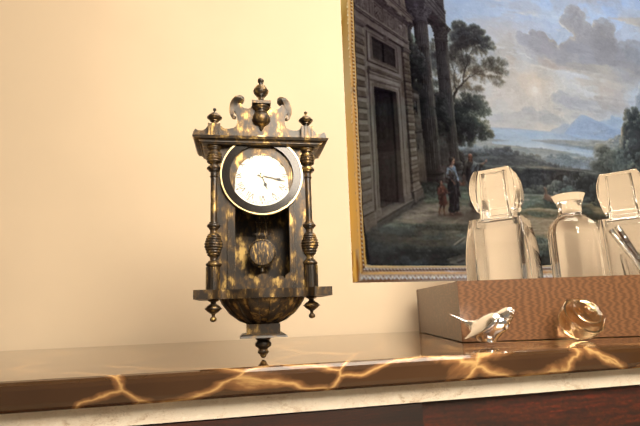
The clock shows 5h17
